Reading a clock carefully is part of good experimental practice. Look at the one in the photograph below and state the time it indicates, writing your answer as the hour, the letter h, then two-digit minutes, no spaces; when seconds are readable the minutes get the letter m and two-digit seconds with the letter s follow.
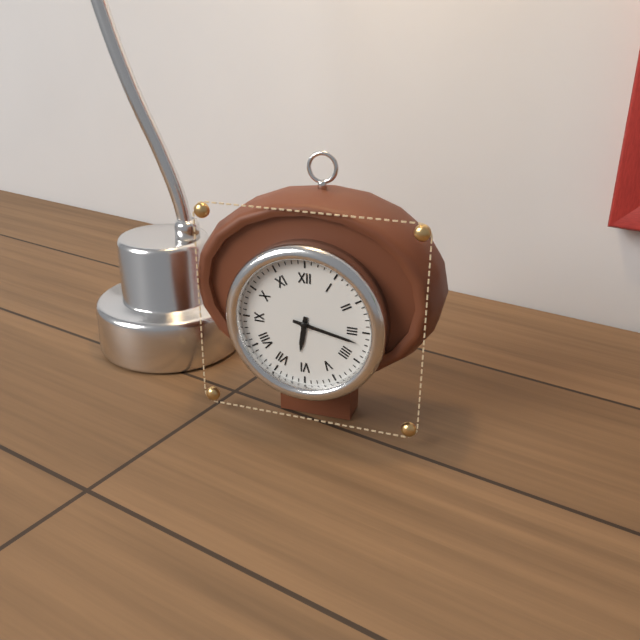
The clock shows 6h17
